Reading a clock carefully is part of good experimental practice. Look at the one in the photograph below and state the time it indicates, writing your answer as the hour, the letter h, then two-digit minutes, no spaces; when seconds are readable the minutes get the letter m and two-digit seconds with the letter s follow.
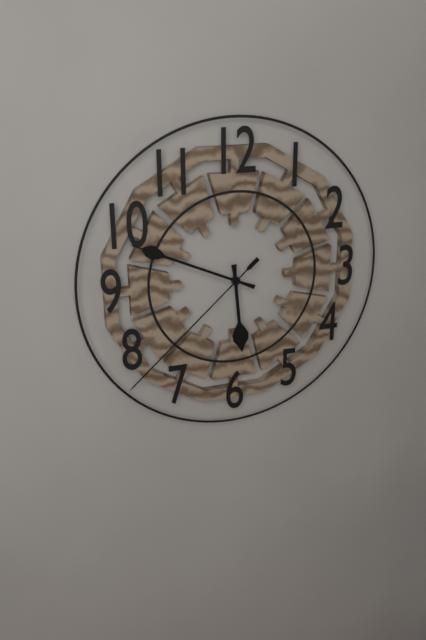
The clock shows 5h49m38s
